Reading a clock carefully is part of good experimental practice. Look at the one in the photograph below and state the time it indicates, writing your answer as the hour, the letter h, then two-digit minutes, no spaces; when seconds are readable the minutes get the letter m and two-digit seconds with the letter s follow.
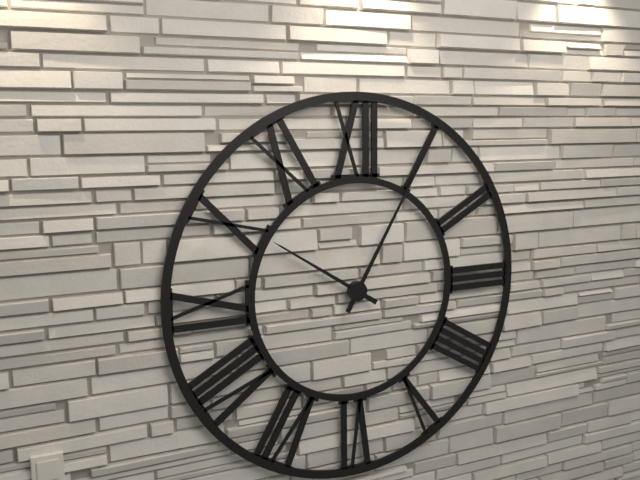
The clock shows 10h05
